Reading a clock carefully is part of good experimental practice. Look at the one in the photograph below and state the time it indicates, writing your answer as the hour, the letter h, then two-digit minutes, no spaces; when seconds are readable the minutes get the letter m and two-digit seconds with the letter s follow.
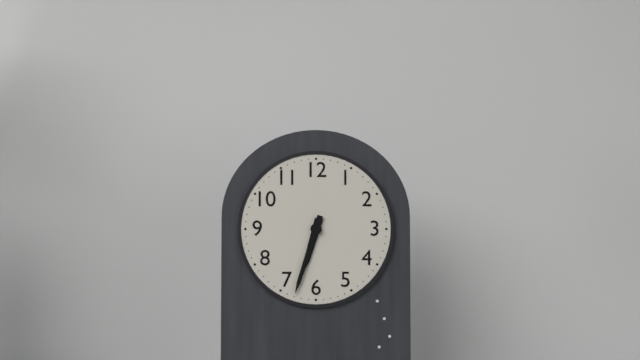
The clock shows 6h33
